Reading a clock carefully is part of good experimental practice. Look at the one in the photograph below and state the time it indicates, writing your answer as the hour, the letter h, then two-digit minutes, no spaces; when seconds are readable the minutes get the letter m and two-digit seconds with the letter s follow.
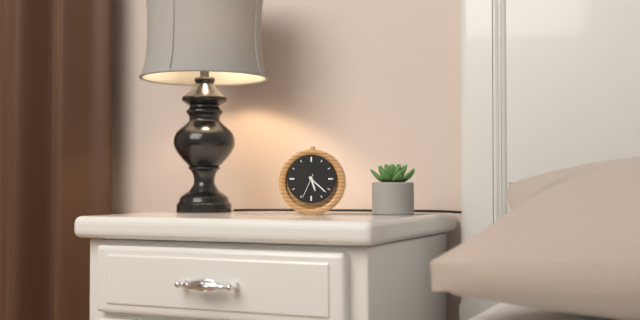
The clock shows 5h22
